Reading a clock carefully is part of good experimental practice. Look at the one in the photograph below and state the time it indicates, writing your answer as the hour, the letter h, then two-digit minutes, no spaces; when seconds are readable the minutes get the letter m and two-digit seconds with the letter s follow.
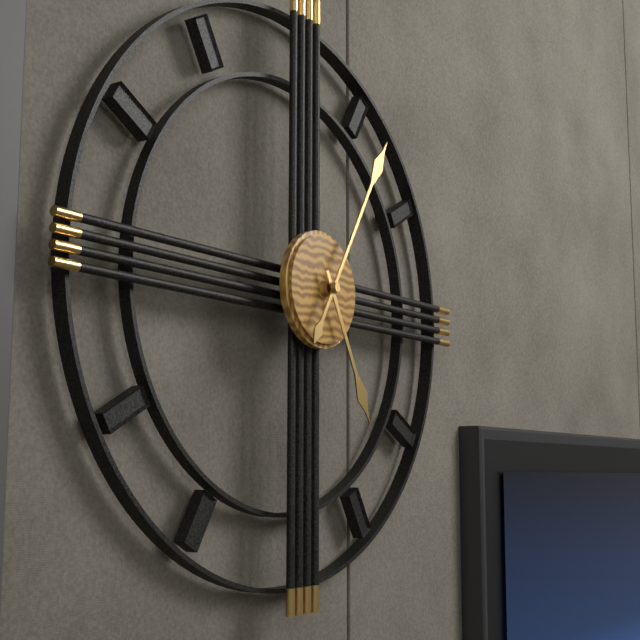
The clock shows 5h05
